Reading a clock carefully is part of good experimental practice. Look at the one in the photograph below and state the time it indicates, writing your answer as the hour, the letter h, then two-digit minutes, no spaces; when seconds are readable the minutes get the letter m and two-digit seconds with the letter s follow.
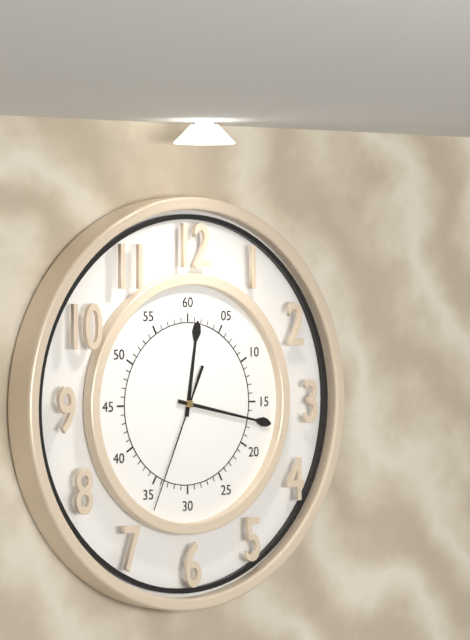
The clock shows 12h17m34s
